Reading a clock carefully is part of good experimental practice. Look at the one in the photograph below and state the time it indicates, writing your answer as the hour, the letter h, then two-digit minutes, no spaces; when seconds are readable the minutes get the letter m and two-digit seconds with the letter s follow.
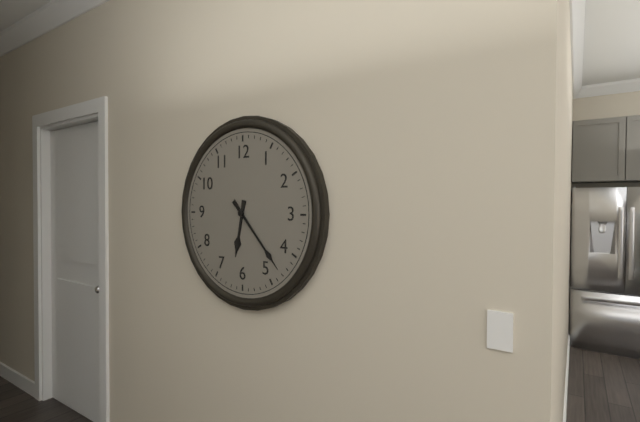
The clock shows 6h23
